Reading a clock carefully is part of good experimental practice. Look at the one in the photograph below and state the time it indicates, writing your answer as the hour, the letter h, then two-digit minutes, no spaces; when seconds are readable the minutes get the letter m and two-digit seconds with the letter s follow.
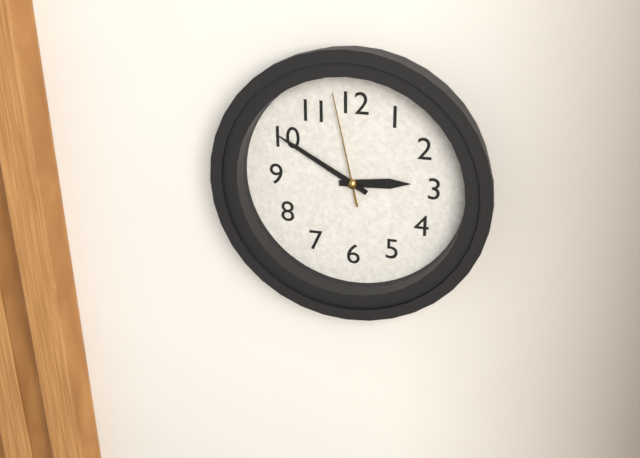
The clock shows 2h50m58s
